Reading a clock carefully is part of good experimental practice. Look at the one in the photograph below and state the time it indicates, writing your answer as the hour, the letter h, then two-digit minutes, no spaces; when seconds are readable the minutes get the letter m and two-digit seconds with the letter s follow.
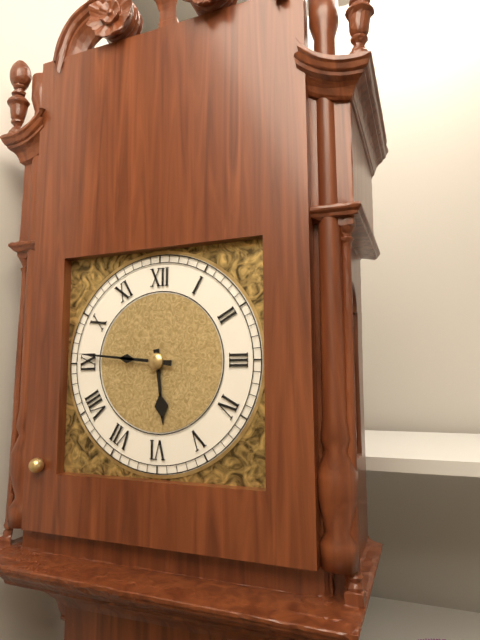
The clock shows 5h46
